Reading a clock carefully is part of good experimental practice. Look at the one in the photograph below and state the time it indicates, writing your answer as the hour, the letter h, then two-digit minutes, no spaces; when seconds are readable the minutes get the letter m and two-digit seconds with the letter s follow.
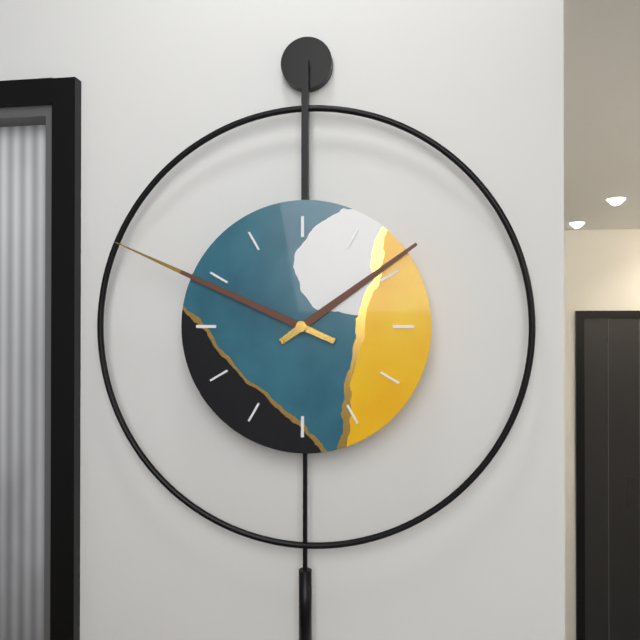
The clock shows 1h49
